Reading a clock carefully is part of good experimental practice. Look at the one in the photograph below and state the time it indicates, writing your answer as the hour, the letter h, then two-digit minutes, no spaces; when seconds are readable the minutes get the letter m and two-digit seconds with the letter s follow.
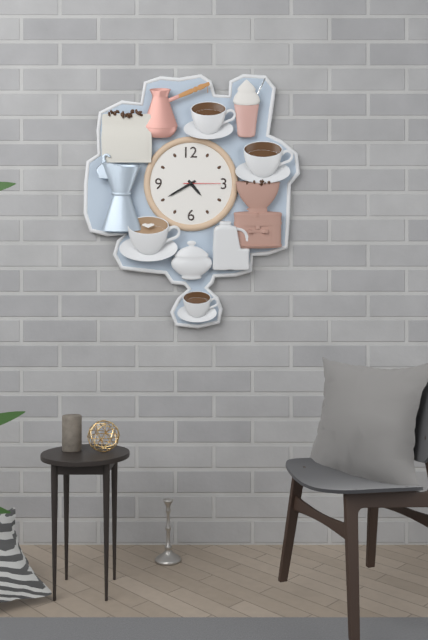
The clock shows 4h40
